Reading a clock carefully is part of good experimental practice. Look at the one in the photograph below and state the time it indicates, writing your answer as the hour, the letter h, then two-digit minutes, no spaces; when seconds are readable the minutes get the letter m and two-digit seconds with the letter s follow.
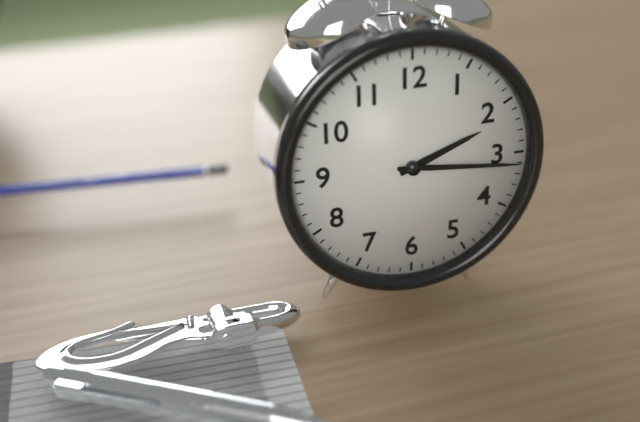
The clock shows 2h16
